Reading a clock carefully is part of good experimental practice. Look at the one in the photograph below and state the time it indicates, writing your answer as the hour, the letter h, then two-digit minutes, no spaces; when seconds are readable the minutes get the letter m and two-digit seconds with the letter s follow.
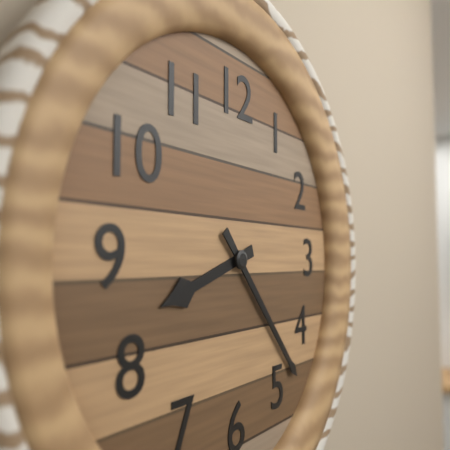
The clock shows 8h23
